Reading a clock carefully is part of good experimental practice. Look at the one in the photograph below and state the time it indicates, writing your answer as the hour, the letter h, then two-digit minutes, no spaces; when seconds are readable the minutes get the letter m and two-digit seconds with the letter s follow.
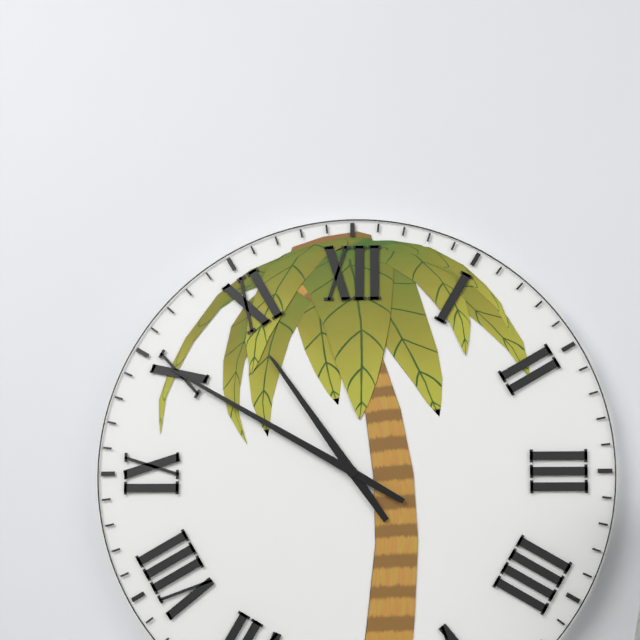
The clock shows 10h50
